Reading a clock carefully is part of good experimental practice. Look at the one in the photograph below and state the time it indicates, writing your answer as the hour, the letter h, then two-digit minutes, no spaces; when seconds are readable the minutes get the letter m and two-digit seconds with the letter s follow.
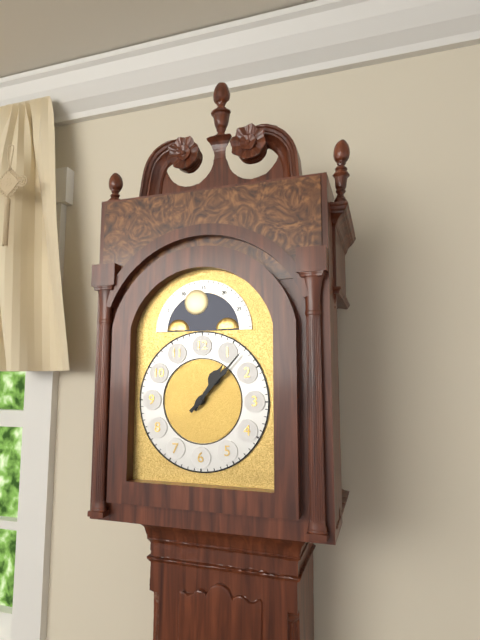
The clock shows 1h07
